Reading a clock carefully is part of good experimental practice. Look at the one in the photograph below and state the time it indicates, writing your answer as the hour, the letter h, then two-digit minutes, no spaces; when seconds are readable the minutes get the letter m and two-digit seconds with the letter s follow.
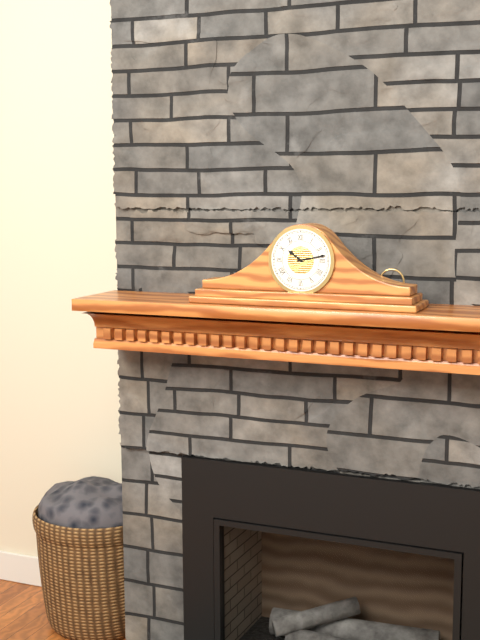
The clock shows 10h13
